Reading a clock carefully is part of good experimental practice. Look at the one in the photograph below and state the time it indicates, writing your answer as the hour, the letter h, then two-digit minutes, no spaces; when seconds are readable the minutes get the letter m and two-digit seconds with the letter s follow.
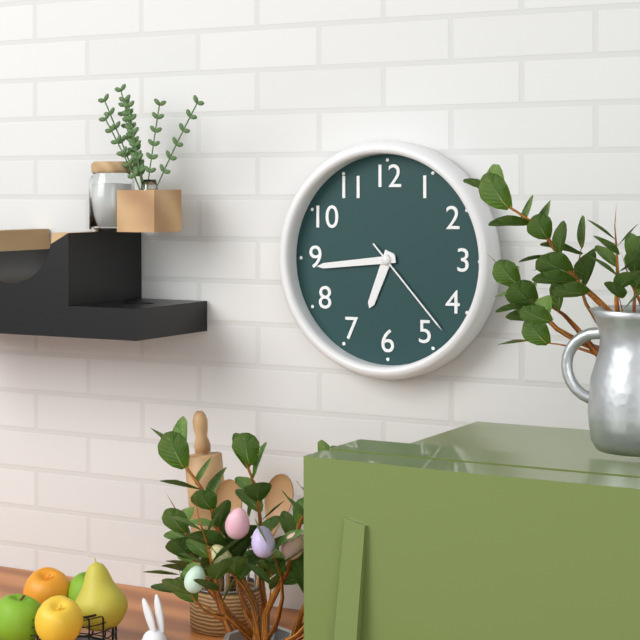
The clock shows 6h44m23s
